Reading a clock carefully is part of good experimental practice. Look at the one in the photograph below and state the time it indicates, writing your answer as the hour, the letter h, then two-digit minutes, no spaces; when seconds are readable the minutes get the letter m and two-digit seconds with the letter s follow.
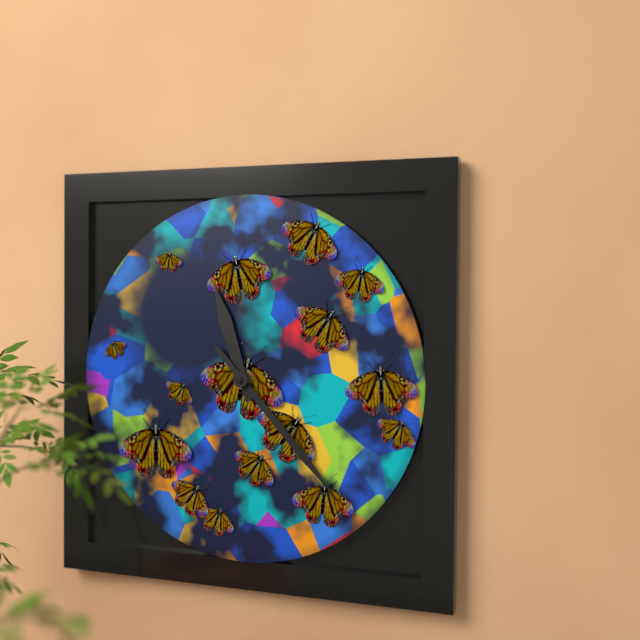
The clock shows 11h23
